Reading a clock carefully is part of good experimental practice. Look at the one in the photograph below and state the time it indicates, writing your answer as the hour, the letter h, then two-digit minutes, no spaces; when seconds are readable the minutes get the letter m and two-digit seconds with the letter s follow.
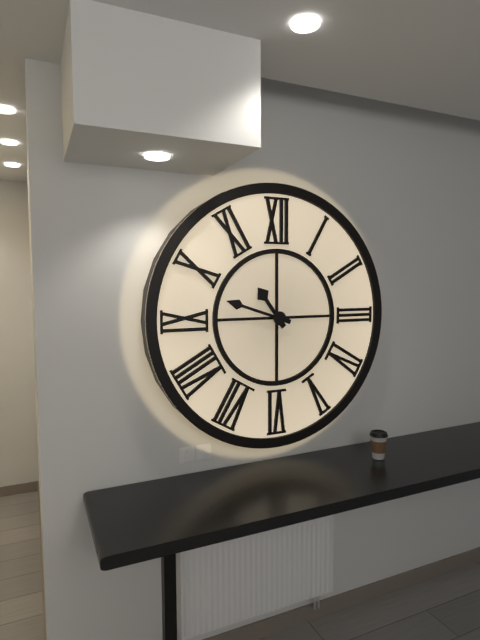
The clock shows 10h48
